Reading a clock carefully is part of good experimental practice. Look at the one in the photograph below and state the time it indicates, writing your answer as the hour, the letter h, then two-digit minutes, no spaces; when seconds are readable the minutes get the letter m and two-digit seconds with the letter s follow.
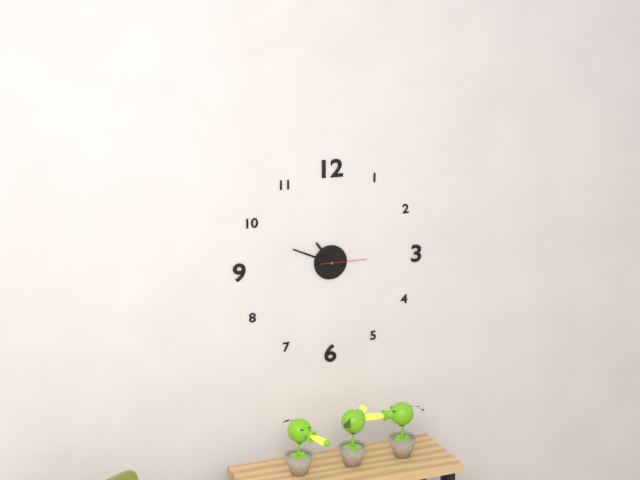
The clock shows 10h49
